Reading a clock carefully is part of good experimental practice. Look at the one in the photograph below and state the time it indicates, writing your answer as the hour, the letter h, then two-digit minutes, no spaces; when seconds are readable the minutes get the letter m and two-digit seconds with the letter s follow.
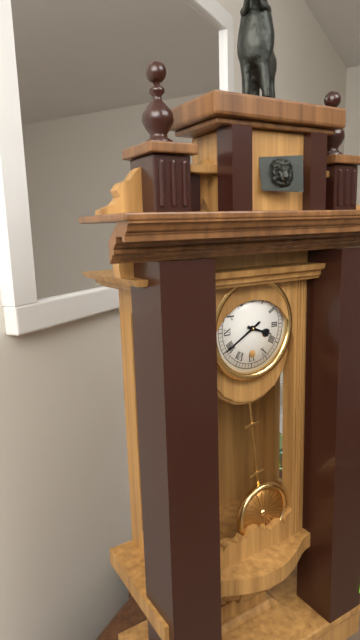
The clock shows 3h40
